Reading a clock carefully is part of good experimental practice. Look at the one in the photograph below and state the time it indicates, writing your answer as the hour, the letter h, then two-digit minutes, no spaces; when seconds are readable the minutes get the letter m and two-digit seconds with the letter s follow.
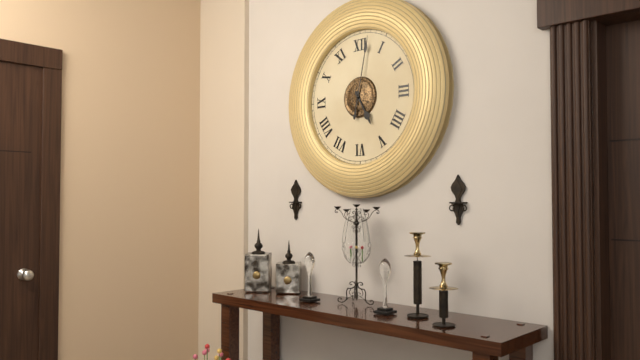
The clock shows 5h02
